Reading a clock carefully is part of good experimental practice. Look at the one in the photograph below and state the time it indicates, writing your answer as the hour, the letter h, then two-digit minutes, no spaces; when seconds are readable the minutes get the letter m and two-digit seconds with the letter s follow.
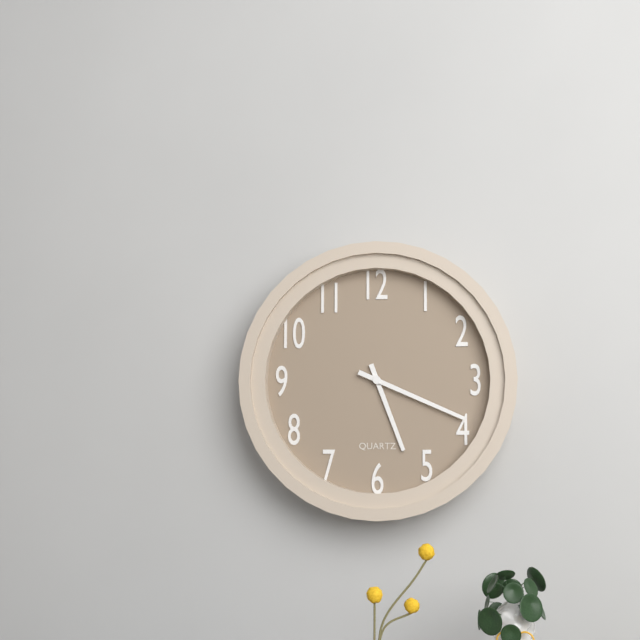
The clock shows 5h19
